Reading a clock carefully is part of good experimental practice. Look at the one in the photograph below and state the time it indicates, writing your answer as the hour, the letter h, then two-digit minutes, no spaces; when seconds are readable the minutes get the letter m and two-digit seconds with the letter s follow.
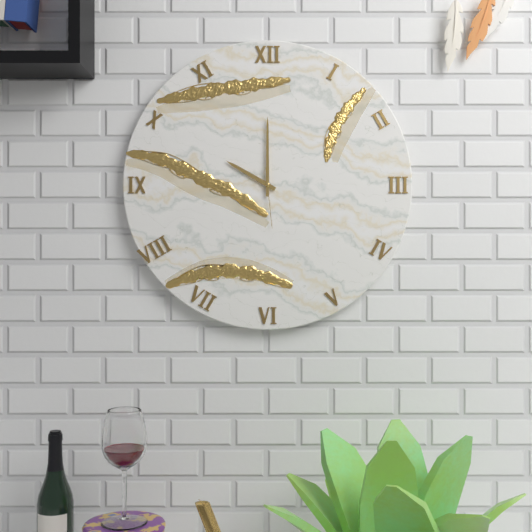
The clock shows 10h00m29s
